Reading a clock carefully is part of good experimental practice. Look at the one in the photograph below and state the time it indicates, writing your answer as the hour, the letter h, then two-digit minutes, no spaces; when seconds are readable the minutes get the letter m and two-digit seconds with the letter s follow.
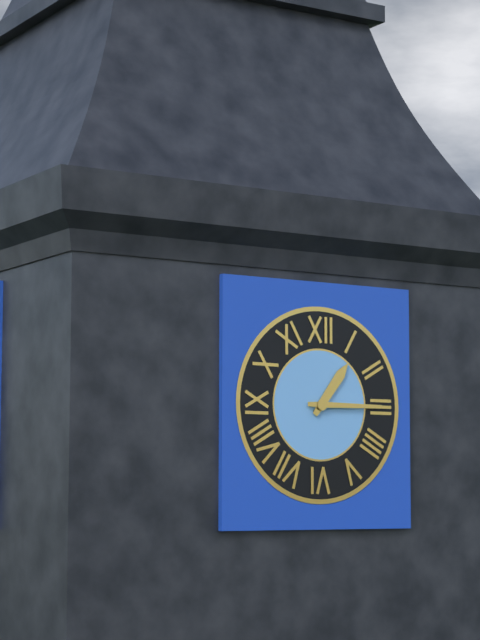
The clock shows 1h15
